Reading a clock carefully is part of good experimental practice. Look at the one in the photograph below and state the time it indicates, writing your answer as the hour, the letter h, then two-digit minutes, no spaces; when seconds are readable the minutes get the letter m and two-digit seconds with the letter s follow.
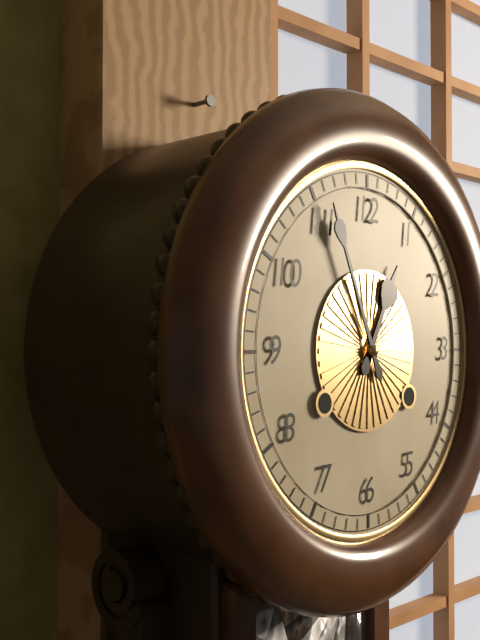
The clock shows 12h56
